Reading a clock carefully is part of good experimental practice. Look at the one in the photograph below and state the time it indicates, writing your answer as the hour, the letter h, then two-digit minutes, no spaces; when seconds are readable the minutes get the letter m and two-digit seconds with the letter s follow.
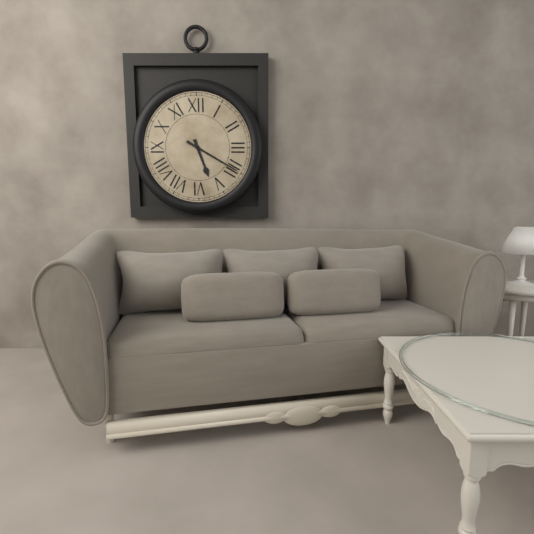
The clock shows 5h20
